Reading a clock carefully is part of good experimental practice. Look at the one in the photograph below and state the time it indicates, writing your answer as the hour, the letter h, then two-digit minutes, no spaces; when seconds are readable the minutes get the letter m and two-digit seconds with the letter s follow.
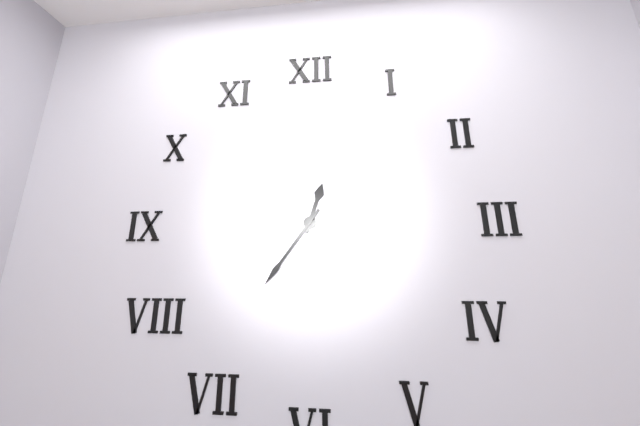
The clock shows 12h36
